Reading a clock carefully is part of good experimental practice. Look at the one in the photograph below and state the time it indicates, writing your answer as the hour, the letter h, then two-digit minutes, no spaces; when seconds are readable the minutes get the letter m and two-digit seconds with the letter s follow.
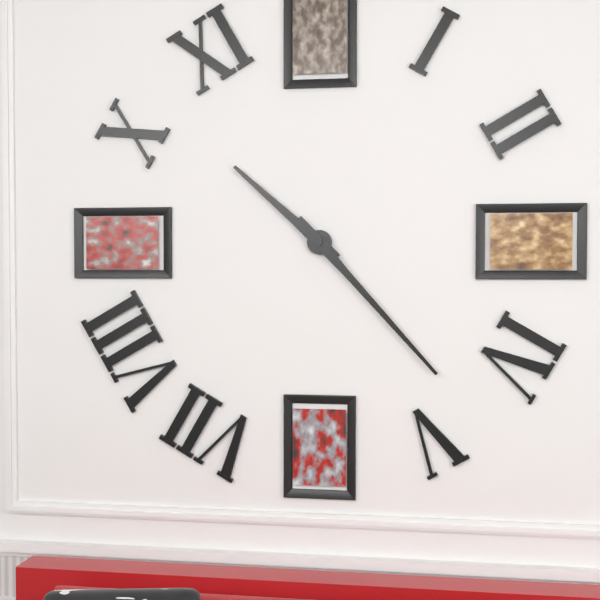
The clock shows 10h23
